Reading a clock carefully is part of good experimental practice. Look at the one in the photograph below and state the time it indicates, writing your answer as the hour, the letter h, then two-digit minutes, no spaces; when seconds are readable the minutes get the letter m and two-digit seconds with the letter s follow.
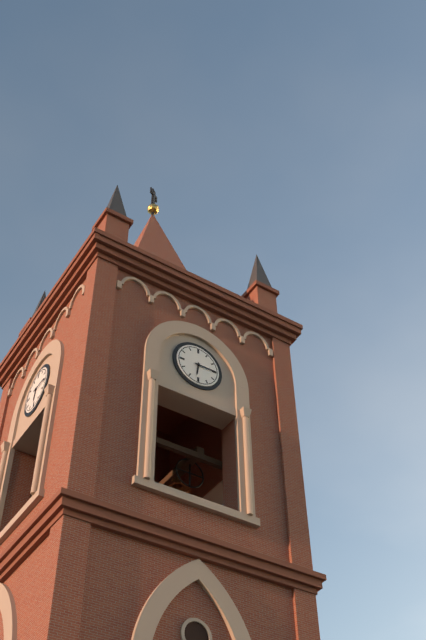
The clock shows 6h15
